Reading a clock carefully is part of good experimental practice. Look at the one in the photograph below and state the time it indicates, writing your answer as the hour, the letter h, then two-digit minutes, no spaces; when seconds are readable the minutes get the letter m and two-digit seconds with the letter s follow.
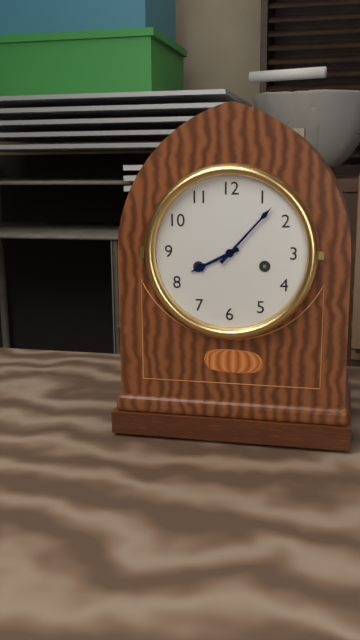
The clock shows 8h07
